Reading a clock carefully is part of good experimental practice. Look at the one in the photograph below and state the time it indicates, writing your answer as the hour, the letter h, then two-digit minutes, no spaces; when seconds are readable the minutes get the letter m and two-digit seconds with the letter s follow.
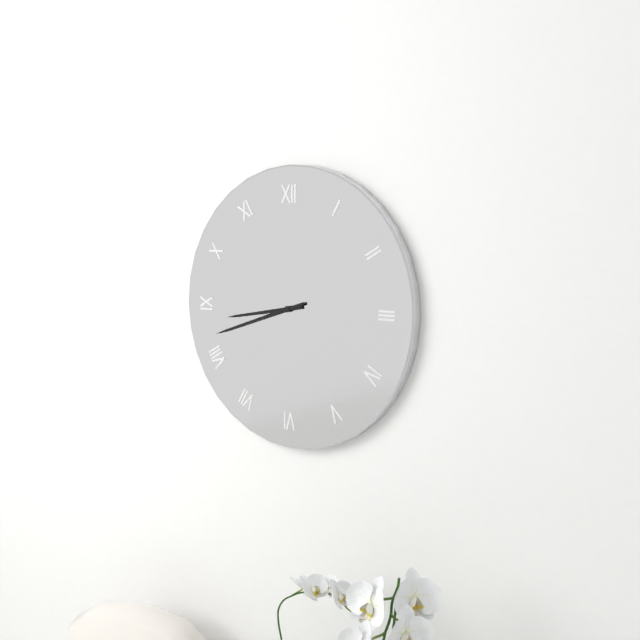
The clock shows 8h42
